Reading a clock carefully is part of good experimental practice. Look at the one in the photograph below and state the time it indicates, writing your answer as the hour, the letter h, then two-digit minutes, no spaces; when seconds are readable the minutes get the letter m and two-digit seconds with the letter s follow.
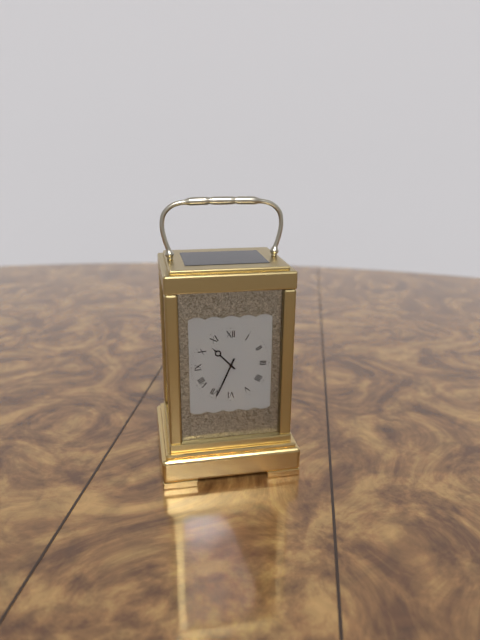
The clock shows 10h34
